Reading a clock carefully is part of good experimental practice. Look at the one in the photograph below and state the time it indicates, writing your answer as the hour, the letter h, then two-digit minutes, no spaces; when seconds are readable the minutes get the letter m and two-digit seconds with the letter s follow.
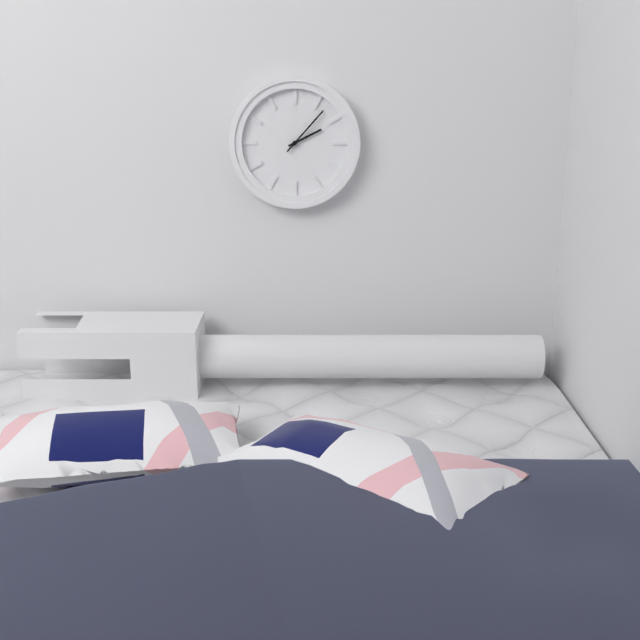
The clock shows 2h07
